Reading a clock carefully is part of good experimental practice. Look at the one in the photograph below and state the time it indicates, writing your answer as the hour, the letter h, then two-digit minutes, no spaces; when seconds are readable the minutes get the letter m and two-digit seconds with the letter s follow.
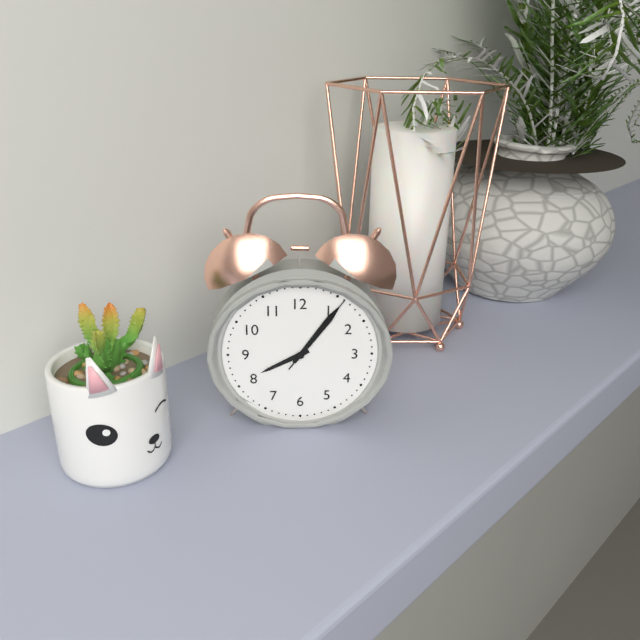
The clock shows 8h06m06s
